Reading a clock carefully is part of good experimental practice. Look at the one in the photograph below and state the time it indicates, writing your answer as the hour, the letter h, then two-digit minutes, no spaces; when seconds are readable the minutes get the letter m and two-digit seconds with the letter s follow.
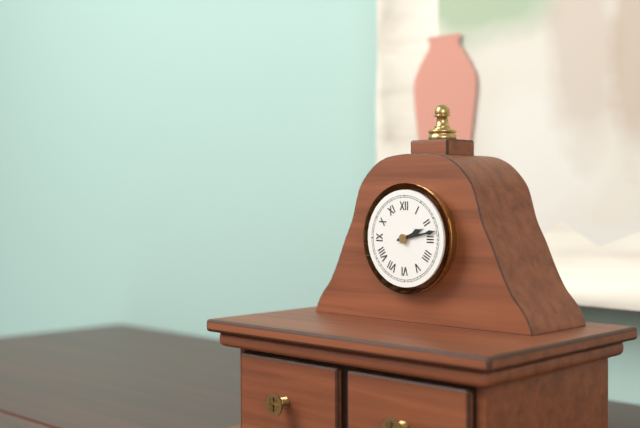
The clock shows 2h13
